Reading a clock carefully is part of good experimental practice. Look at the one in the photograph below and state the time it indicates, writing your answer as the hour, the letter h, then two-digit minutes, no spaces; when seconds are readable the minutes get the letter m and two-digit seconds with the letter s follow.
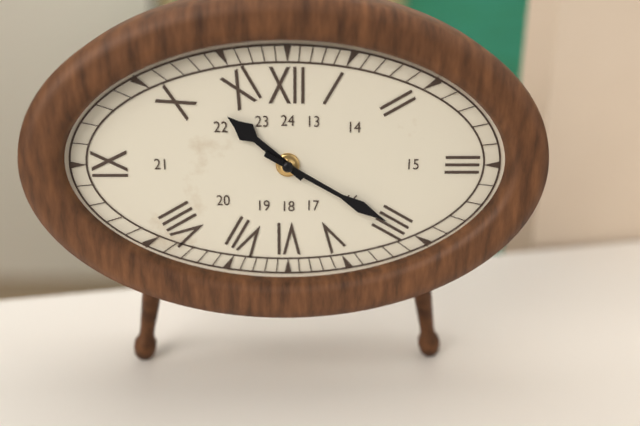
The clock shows 10h20
